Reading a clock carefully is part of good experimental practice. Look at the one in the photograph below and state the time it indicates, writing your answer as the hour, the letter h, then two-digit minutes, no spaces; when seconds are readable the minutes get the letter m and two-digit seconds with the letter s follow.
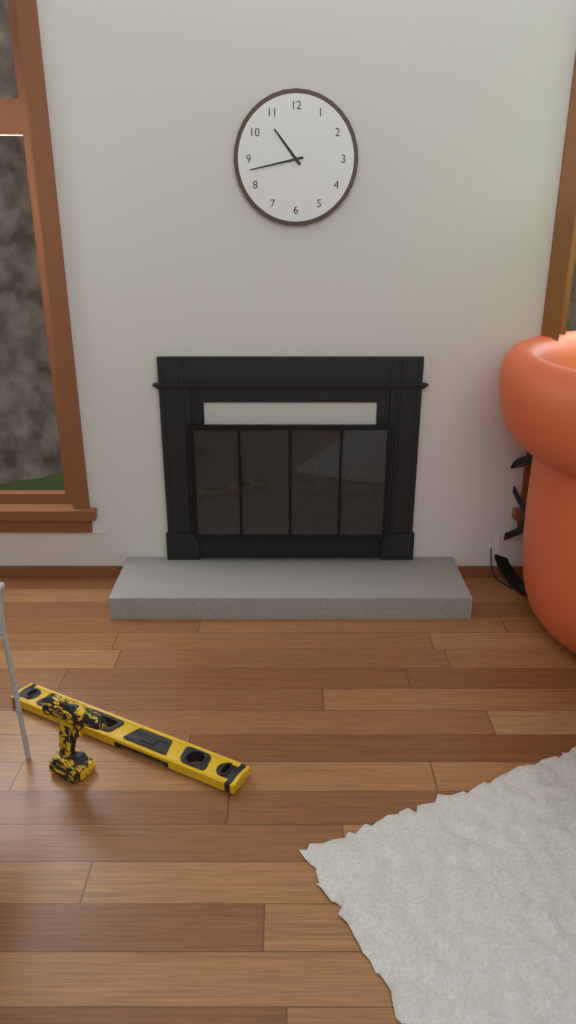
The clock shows 10h43
